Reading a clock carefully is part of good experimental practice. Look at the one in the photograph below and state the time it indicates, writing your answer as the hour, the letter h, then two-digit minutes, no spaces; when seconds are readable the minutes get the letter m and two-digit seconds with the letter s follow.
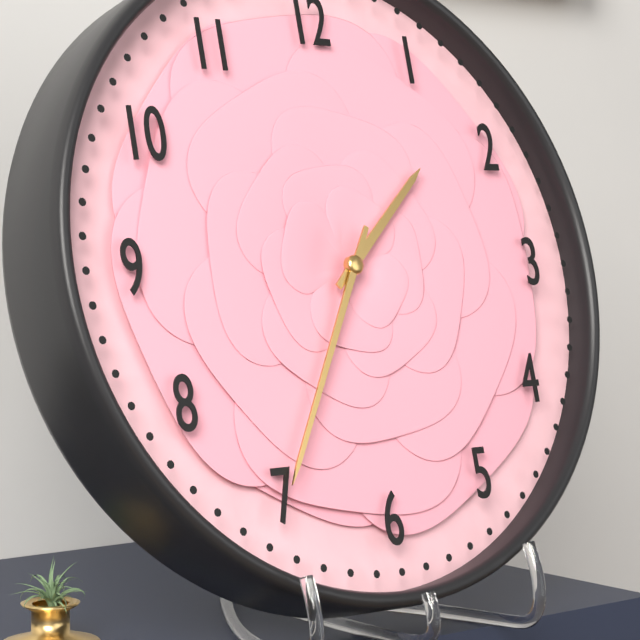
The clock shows 1h35
